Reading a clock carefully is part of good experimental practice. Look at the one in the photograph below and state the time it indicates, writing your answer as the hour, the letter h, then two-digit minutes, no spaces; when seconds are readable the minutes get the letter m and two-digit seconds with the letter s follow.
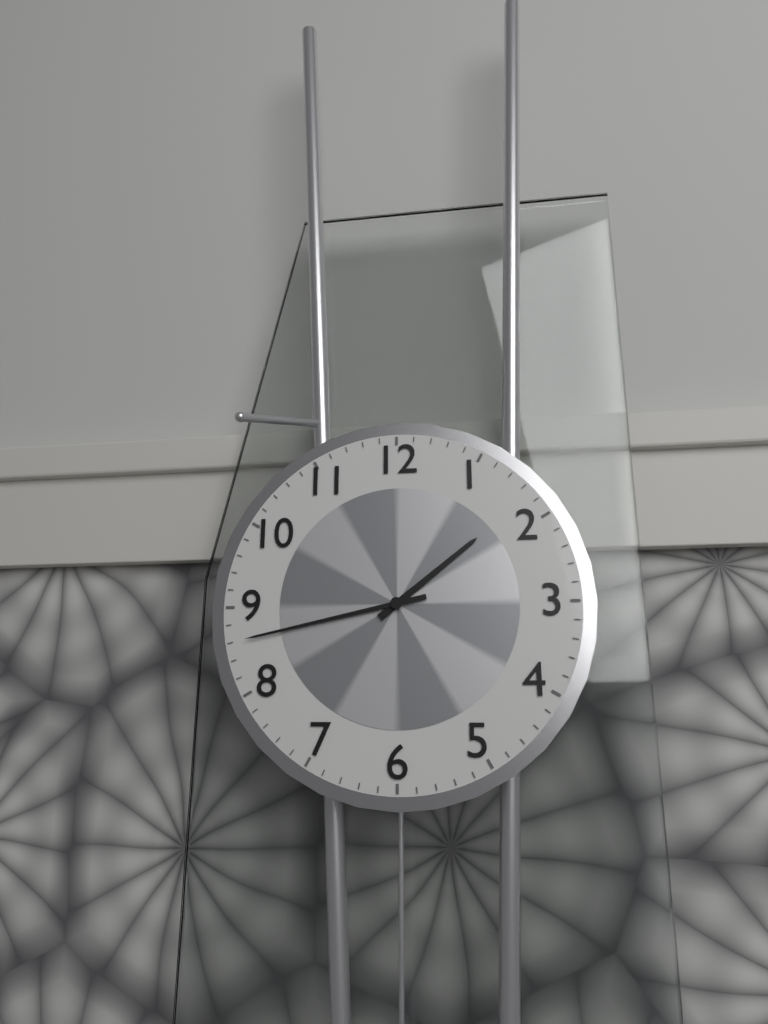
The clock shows 1h43
